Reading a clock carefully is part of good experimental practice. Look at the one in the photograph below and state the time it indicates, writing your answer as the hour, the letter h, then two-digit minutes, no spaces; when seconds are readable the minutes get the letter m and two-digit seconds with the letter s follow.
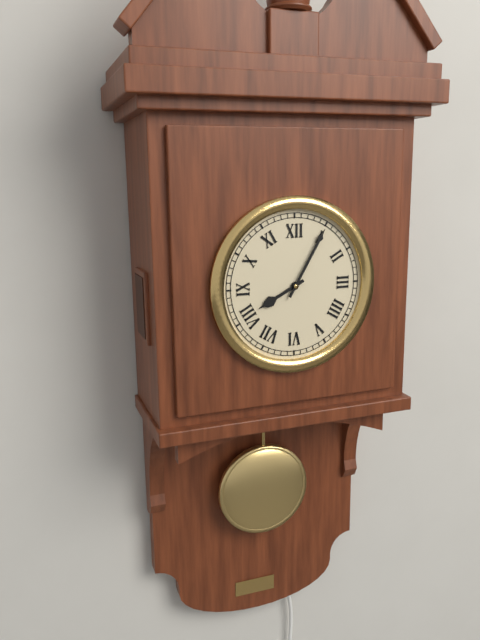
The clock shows 8h05
